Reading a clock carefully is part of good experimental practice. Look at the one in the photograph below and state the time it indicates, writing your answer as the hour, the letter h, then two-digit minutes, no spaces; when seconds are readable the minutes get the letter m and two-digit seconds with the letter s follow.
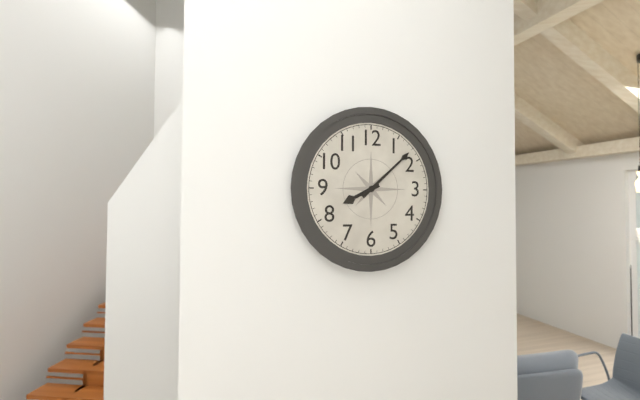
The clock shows 8h08
